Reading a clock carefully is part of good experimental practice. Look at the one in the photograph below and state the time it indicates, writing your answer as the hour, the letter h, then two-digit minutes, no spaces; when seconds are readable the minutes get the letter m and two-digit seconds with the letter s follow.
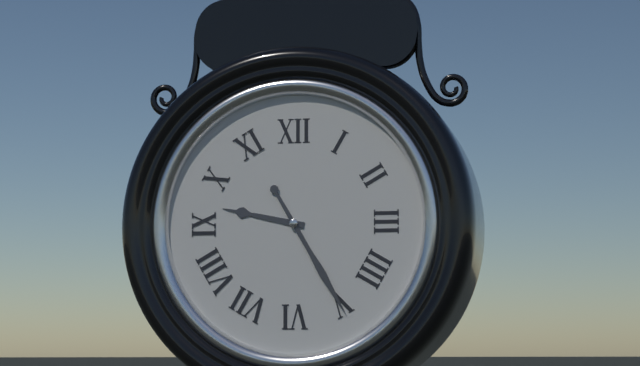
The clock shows 9h25
